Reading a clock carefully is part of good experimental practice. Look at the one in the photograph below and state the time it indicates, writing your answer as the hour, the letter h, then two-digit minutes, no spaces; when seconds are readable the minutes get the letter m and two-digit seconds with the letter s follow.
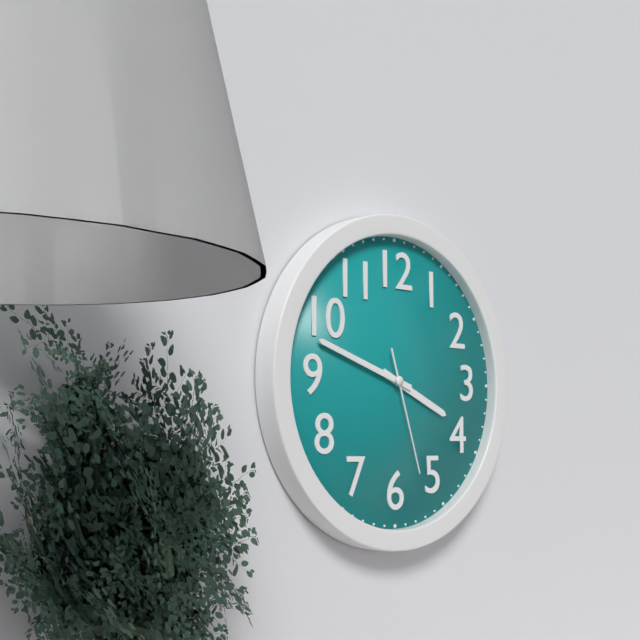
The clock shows 3h48m27s
